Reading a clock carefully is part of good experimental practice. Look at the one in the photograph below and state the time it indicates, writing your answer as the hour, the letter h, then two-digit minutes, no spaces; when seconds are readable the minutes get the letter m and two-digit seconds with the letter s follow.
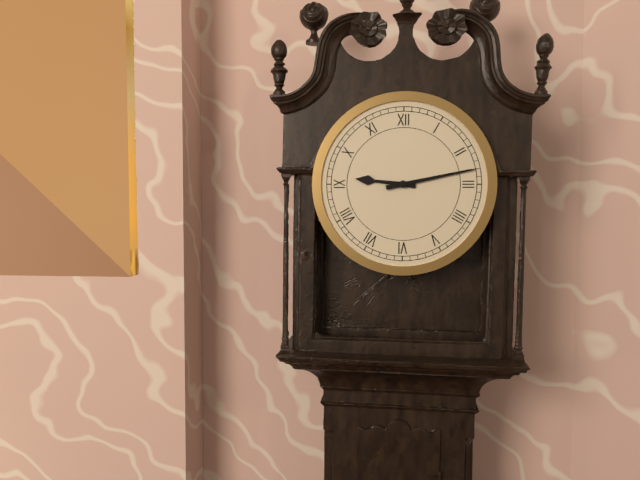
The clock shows 9h13
